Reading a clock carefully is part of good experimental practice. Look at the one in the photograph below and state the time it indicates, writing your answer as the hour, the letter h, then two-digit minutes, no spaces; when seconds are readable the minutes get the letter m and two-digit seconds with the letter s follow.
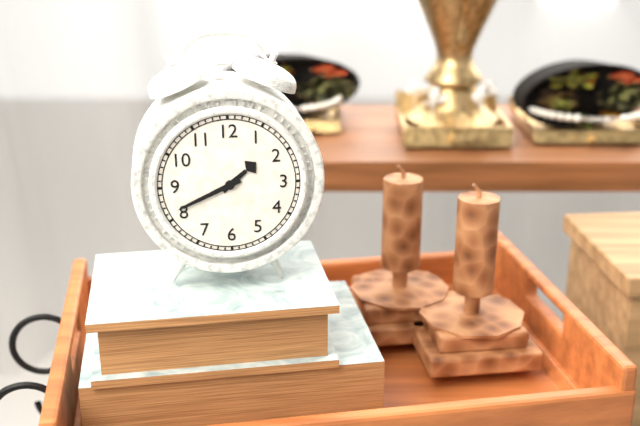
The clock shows 1h41
